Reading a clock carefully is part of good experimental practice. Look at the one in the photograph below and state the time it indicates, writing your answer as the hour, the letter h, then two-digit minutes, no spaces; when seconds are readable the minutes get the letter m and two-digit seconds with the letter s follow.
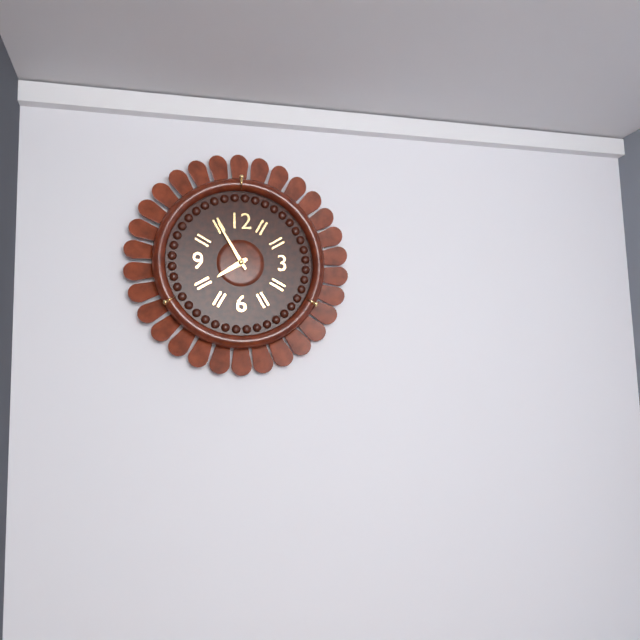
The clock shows 7h55
